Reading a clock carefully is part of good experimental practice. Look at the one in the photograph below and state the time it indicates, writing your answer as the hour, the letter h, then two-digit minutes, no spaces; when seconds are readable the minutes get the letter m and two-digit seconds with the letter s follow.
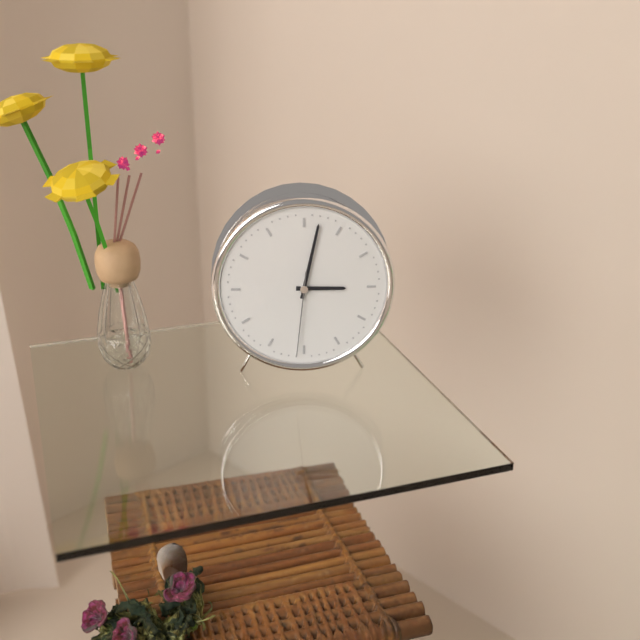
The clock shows 3h02m31s
